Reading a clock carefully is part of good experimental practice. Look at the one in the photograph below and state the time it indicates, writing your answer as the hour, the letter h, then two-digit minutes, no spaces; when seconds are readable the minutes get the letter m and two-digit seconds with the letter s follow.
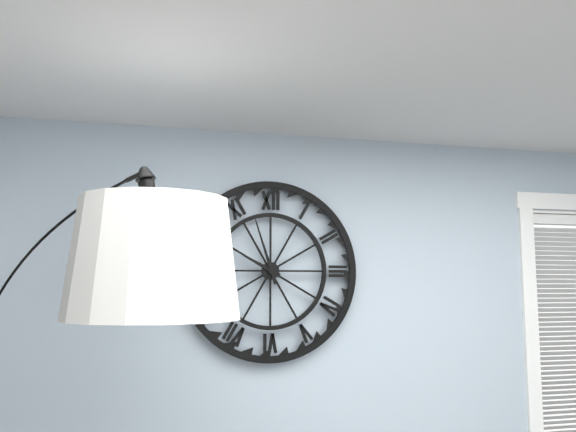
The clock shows 9h57
